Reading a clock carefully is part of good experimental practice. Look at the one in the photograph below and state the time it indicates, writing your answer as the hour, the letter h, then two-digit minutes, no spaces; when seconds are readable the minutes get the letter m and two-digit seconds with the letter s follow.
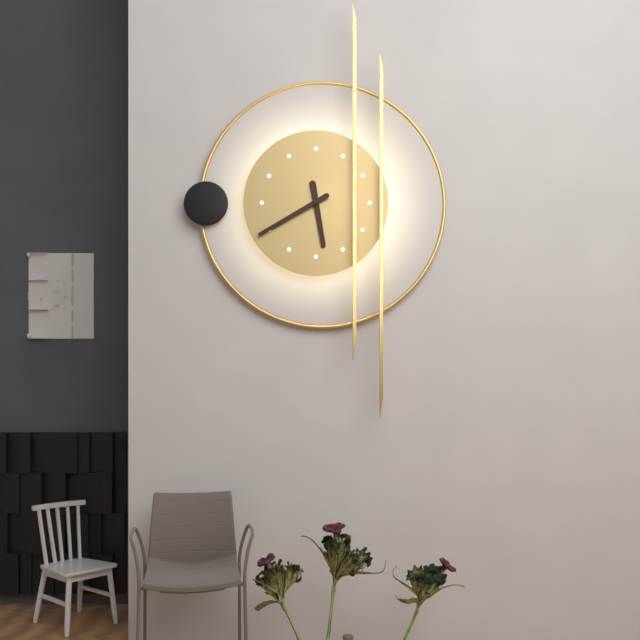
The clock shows 5h40
